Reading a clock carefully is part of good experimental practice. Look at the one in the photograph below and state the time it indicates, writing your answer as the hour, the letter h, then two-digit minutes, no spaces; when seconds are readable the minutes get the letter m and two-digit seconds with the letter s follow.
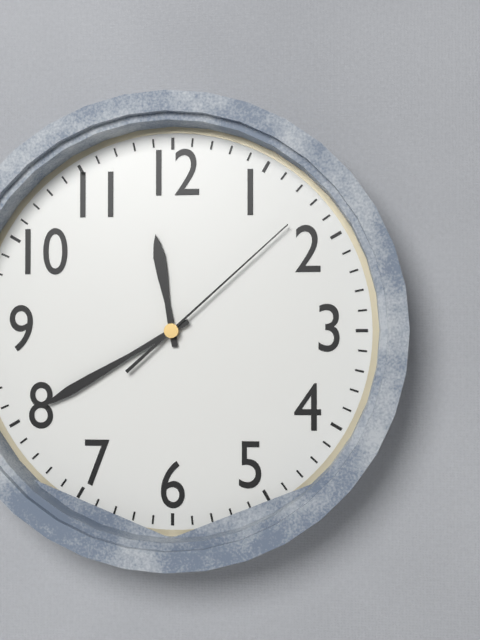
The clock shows 11h40m08s
